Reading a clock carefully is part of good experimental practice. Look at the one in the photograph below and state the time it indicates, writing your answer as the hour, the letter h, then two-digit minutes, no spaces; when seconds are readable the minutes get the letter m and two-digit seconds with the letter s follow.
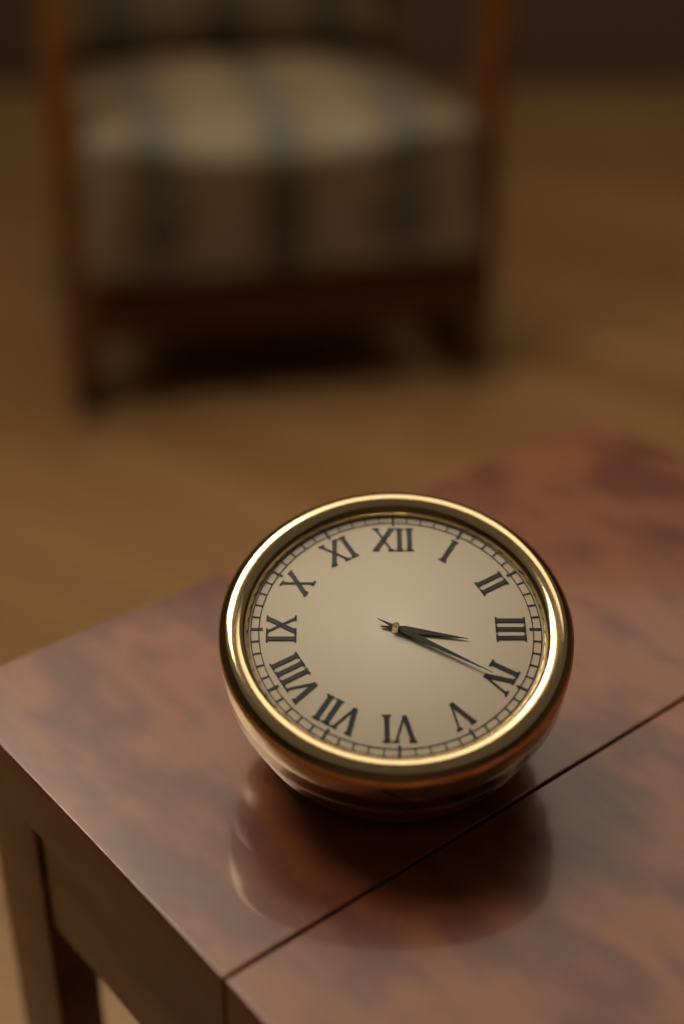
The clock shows 3h20
